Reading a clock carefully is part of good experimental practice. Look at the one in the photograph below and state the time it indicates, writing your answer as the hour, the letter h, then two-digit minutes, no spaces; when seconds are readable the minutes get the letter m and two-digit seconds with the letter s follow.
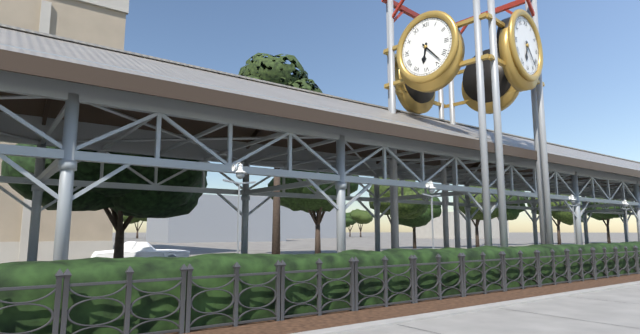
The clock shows 6h23
